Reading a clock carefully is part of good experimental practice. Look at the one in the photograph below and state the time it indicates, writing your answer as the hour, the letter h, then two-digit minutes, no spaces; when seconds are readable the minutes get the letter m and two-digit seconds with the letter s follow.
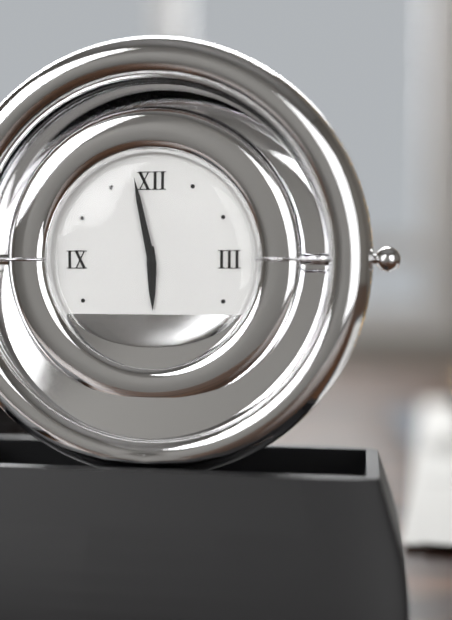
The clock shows 5h58
